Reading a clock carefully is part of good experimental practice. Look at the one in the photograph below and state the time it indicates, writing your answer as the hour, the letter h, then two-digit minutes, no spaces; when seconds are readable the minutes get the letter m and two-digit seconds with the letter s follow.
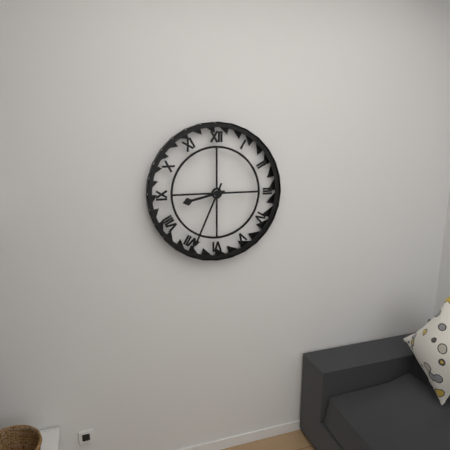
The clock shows 8h34
